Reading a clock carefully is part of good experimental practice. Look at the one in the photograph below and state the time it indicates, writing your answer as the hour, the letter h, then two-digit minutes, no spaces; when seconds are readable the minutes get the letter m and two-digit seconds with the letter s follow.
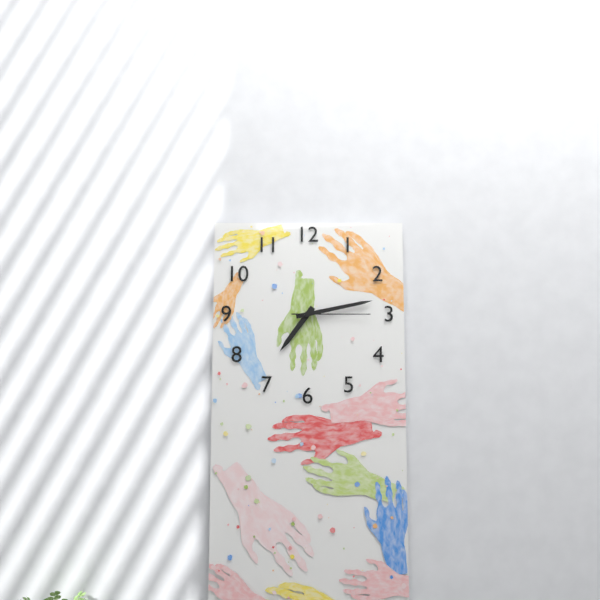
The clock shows 7h13m15s
